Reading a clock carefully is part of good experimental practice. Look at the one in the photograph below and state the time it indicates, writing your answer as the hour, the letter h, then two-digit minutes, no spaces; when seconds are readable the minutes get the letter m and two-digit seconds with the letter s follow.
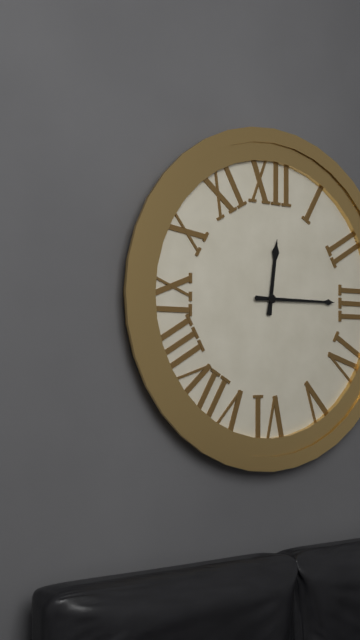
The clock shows 12h15
